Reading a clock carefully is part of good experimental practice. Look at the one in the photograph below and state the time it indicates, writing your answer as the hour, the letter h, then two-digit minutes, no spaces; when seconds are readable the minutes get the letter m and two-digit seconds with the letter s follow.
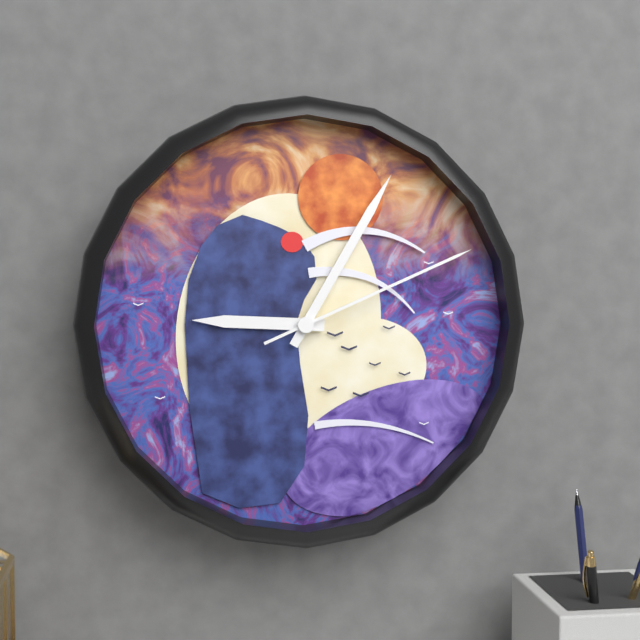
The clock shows 9h05m11s
